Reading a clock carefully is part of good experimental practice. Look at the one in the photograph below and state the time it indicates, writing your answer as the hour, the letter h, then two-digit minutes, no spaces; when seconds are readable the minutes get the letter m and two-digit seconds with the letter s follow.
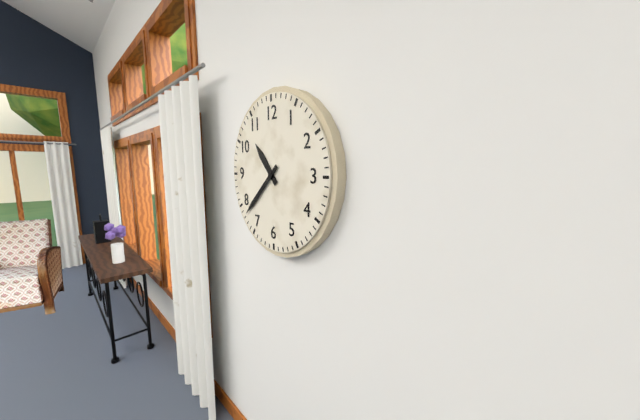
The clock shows 10h38
